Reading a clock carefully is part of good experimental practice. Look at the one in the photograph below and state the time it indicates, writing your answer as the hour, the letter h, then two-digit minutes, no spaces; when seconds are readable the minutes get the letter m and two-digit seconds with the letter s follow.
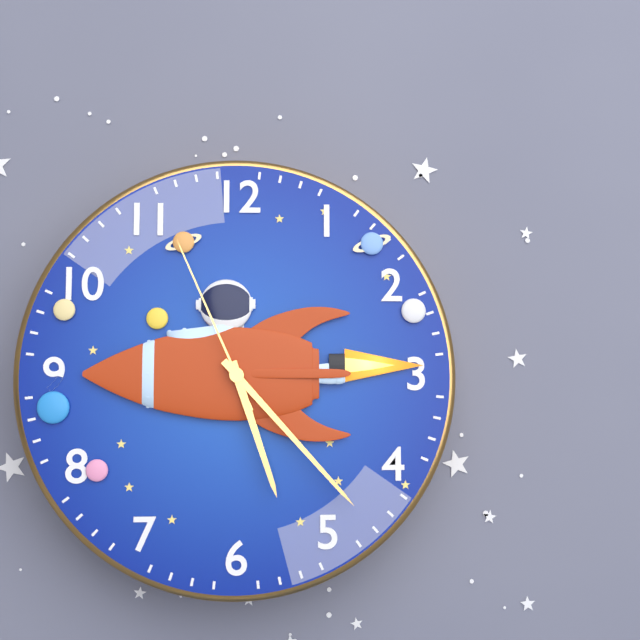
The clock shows 5h23m56s
